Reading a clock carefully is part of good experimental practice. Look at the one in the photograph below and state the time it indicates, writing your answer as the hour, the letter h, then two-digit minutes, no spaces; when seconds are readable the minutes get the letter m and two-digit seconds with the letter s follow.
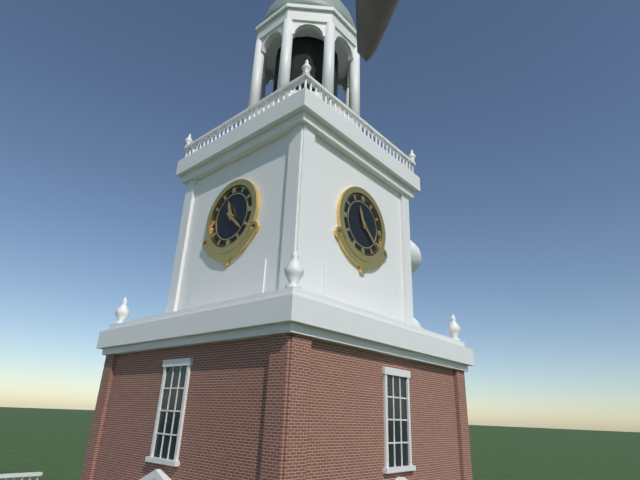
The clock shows 11h22
